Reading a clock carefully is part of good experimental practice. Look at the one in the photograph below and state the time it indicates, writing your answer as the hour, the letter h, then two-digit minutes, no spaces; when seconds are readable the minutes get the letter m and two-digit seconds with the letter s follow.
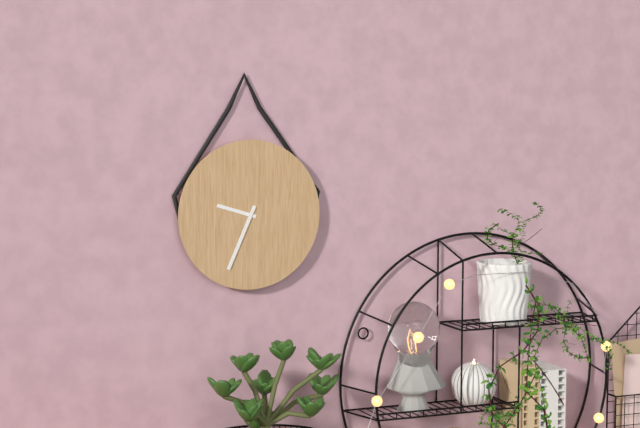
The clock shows 9h34
